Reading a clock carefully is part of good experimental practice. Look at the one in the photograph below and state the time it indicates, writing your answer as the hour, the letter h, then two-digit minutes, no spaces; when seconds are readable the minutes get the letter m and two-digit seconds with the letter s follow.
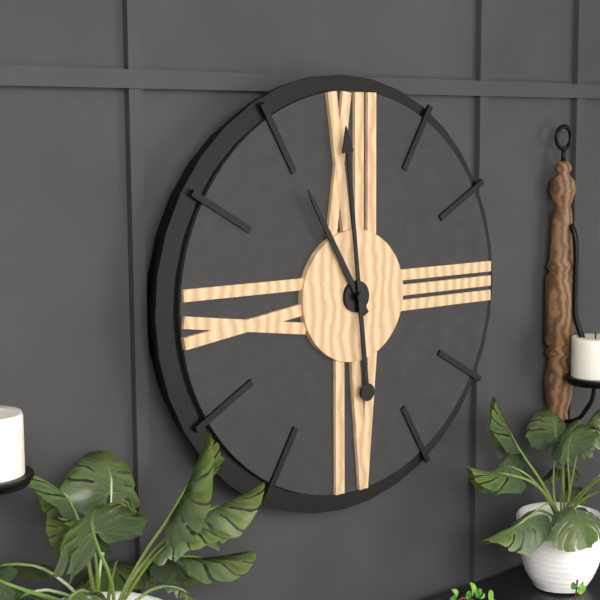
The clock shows 10h59
